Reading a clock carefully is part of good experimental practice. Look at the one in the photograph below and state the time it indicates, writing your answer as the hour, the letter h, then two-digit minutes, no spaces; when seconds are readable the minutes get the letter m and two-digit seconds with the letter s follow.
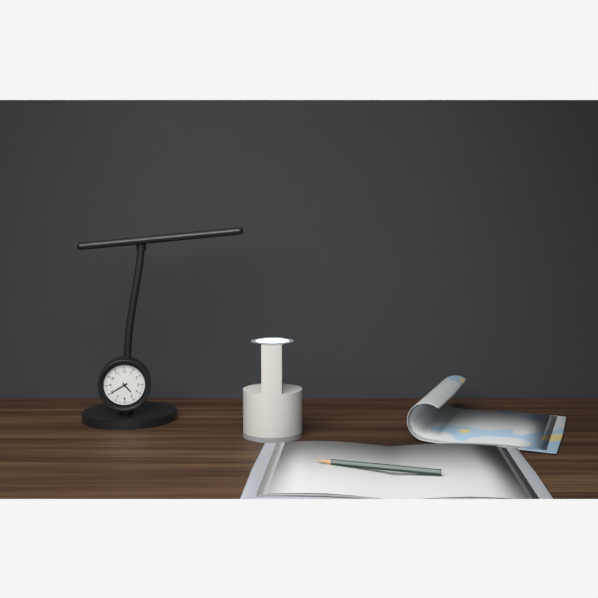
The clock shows 4h40
